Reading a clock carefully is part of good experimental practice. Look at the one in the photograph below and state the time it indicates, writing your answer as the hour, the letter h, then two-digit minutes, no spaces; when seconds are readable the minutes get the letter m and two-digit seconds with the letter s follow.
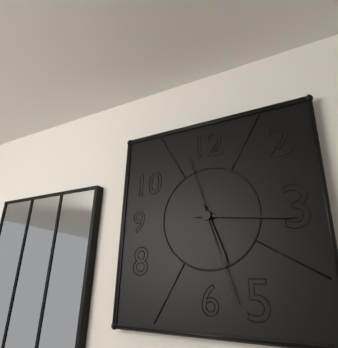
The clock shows 5h16m27s
